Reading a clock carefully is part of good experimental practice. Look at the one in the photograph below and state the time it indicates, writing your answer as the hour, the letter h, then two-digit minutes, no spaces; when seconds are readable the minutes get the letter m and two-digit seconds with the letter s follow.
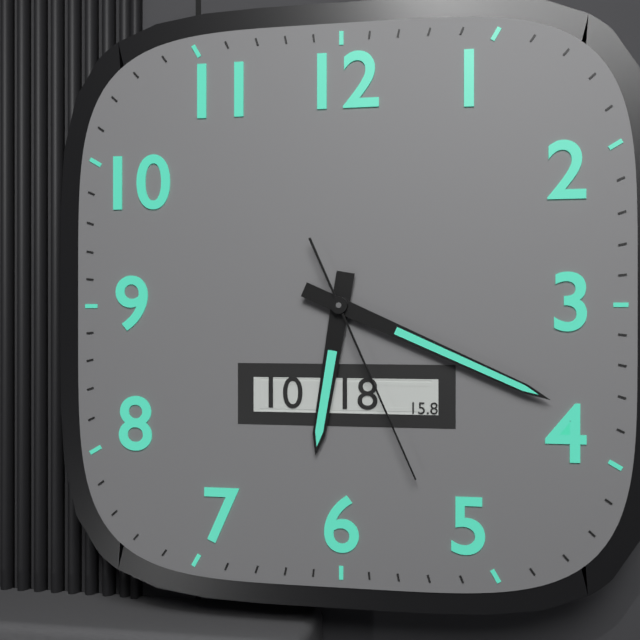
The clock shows 6h19m26s
